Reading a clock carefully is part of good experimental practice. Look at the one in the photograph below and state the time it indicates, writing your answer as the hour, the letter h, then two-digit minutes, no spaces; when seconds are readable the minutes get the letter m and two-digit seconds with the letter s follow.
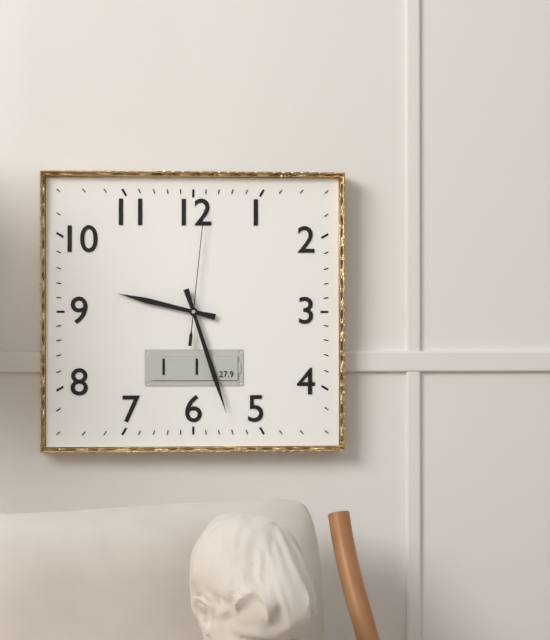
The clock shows 9h27m01s
